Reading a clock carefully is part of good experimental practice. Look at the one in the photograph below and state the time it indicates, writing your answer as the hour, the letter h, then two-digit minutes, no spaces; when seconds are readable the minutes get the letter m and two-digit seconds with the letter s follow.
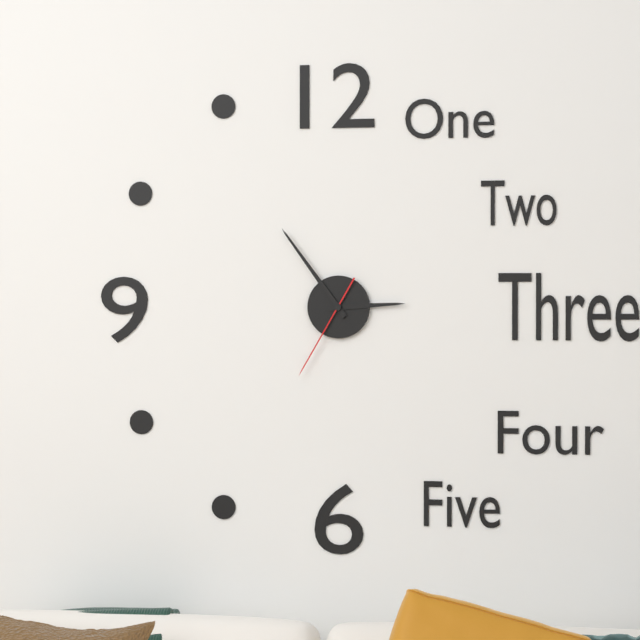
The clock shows 2h54m35s
